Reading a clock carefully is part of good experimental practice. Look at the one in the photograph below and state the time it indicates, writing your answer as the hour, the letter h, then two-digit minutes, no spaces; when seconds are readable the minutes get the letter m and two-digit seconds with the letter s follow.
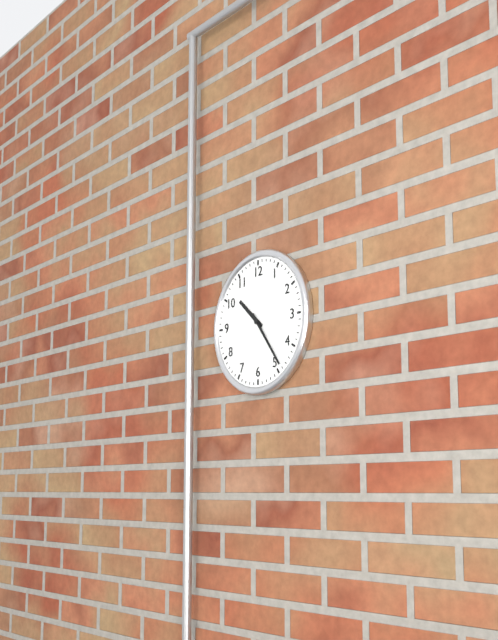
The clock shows 10h24
